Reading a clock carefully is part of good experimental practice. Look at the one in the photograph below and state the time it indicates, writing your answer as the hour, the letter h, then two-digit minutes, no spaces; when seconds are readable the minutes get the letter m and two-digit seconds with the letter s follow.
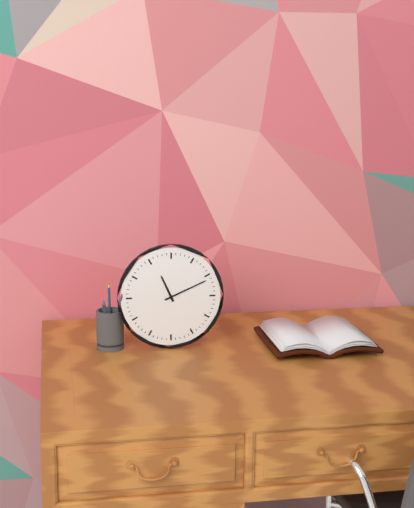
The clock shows 11h11
